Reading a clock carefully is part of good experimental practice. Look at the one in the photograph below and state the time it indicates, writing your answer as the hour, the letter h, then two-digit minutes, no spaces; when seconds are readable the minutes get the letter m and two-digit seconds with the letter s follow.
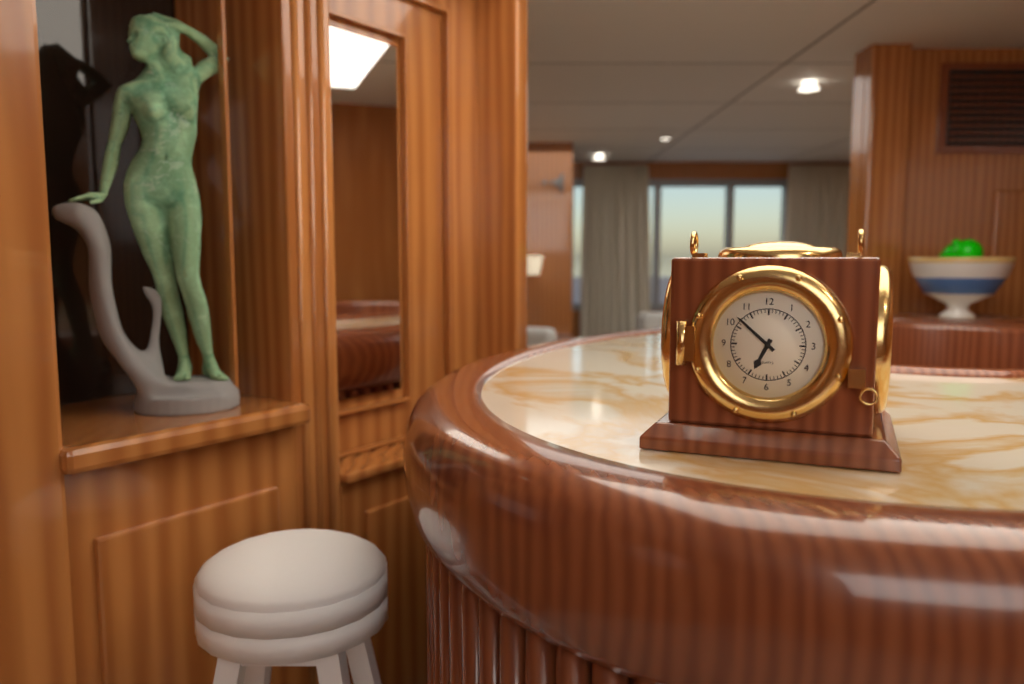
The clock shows 6h52
